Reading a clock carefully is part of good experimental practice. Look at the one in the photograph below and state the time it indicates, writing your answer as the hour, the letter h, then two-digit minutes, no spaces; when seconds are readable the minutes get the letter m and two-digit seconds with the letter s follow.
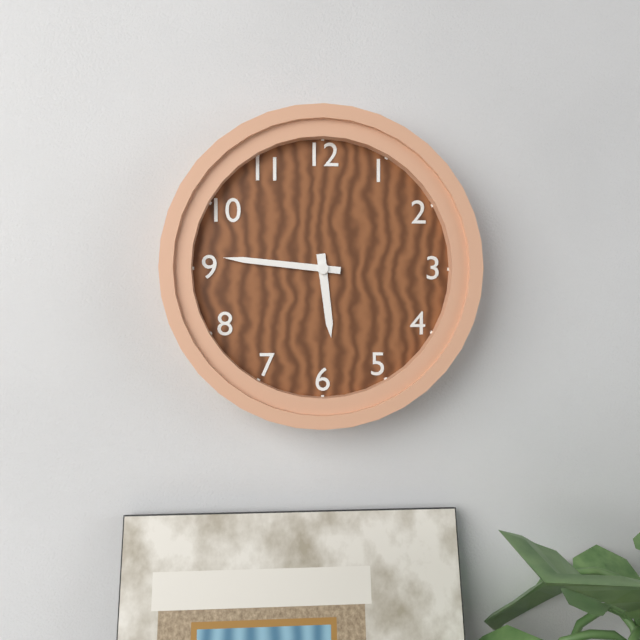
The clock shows 5h46
